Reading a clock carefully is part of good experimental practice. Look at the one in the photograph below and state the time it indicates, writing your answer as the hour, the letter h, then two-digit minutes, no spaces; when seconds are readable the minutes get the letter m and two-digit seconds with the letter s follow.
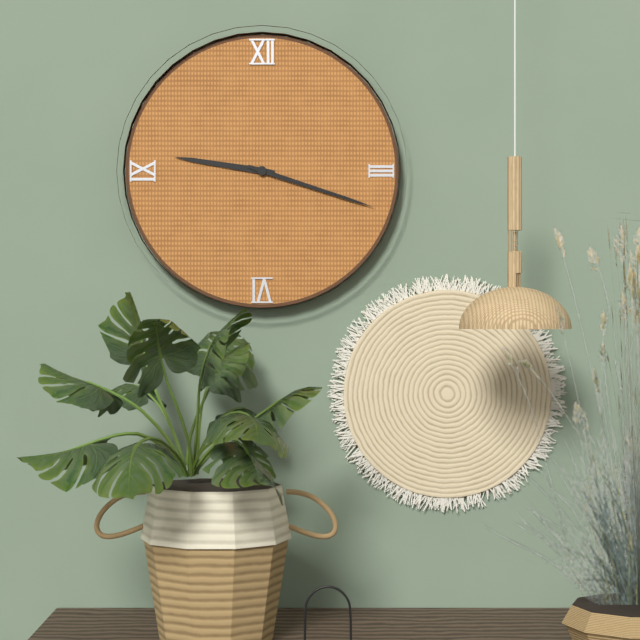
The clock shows 9h18
